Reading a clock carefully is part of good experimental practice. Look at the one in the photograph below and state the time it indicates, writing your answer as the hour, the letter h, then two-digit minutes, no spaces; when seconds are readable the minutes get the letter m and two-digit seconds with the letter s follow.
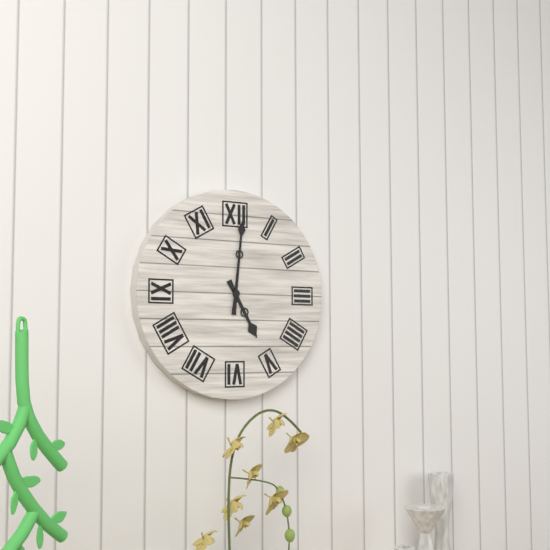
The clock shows 5h01
